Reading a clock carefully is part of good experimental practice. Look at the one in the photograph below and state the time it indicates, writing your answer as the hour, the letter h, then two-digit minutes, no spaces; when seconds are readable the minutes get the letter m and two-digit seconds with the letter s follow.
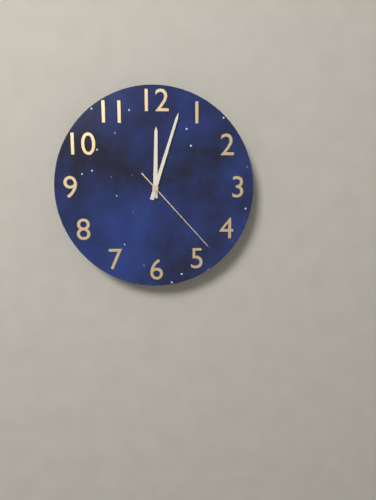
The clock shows 12h03m23s
